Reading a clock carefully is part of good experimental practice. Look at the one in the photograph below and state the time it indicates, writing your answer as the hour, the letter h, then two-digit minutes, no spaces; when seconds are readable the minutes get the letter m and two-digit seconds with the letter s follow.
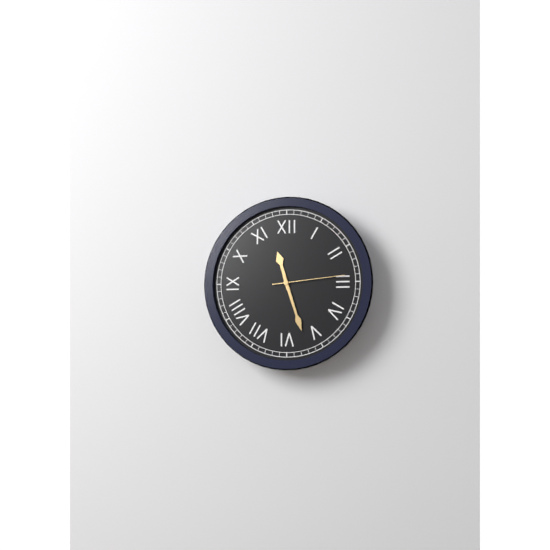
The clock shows 11h27m14s
